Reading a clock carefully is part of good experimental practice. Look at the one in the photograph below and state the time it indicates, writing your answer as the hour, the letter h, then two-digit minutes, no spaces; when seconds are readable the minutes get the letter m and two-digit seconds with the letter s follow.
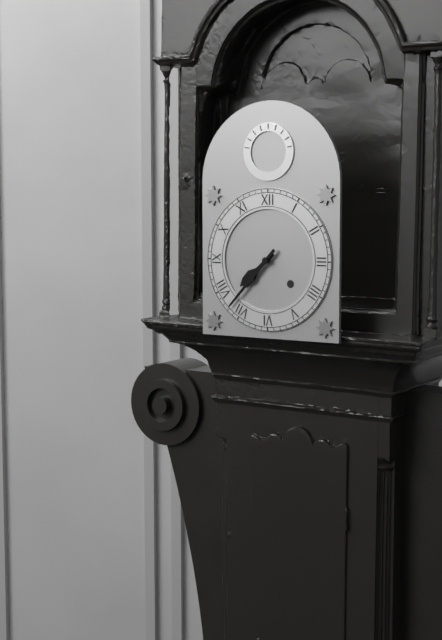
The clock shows 7h37
